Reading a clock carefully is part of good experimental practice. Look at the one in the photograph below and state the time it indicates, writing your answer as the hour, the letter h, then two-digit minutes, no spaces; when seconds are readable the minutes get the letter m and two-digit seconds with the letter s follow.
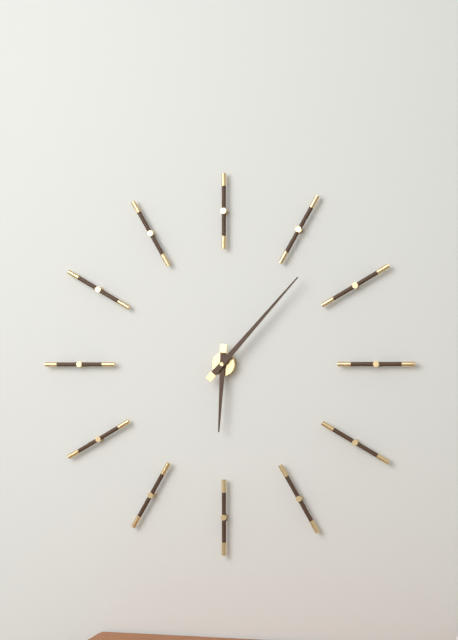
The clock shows 6h07
